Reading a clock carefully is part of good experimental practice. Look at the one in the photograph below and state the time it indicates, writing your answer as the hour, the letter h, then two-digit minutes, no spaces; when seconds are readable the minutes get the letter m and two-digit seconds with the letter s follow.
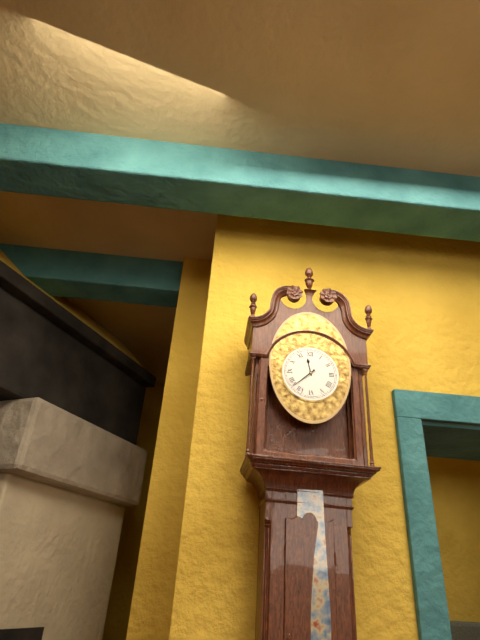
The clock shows 11h38
